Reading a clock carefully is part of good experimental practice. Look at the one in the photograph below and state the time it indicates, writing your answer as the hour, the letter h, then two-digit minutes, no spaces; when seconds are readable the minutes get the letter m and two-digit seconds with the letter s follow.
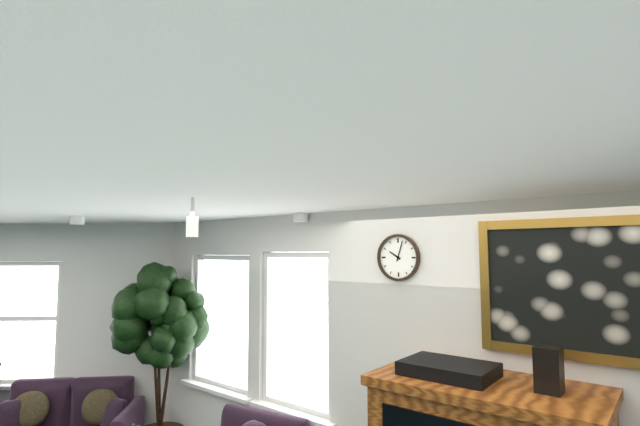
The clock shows 10h03
